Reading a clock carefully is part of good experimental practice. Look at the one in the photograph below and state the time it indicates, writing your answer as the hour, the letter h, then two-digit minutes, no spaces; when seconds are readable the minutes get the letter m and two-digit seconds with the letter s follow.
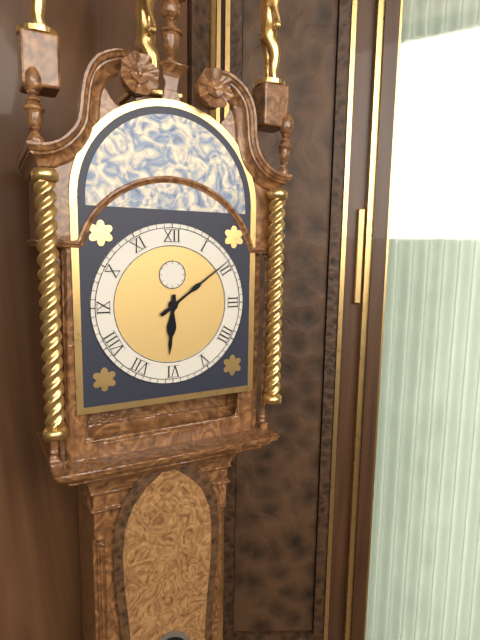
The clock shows 6h09
